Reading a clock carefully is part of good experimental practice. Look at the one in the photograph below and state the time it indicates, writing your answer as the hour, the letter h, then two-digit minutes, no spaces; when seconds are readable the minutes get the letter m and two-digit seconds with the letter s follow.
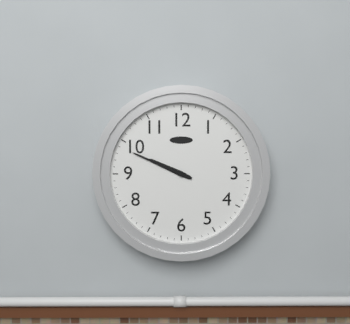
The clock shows 9h49
